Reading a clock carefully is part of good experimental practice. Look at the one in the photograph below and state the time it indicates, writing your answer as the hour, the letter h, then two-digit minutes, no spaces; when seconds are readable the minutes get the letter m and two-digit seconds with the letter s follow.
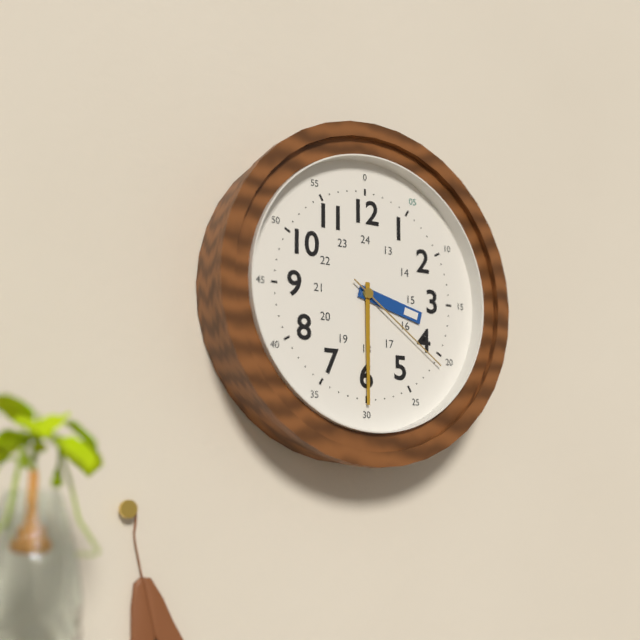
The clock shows 3h30m21s
